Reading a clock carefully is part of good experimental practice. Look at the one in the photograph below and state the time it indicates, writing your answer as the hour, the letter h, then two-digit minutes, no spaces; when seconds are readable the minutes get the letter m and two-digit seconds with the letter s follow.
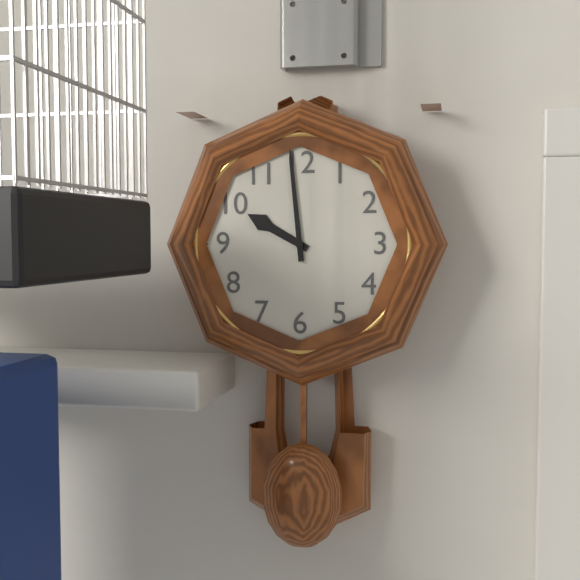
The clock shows 9h59
